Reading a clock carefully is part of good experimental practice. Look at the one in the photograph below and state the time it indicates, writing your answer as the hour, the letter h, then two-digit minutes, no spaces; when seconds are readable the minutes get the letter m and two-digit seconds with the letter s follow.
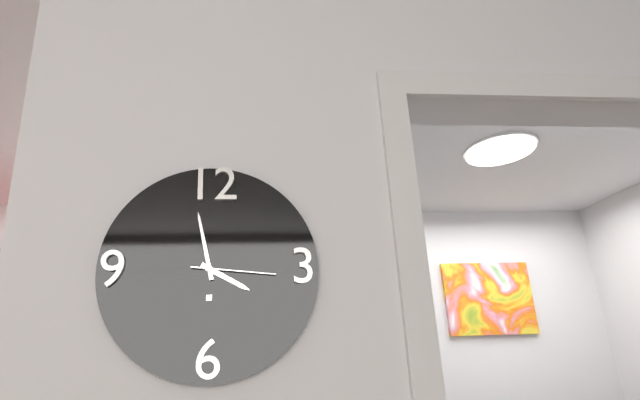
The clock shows 3h58m16s
